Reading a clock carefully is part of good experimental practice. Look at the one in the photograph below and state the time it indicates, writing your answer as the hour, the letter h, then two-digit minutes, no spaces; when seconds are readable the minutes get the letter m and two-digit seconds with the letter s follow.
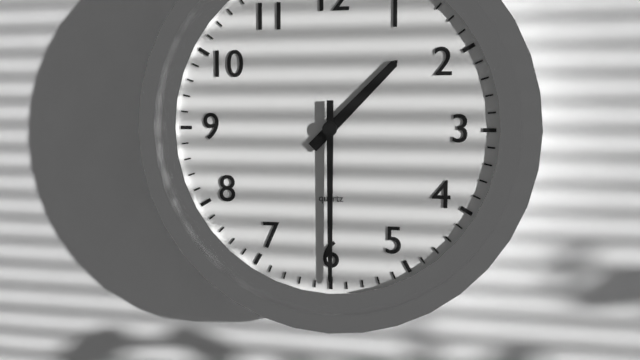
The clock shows 1h30
